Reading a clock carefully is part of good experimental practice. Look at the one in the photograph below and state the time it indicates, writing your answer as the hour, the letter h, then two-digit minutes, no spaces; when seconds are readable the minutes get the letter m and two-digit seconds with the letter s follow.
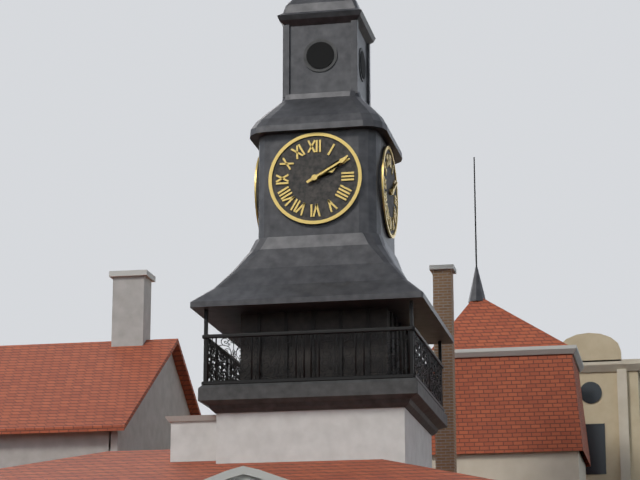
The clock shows 2h10
